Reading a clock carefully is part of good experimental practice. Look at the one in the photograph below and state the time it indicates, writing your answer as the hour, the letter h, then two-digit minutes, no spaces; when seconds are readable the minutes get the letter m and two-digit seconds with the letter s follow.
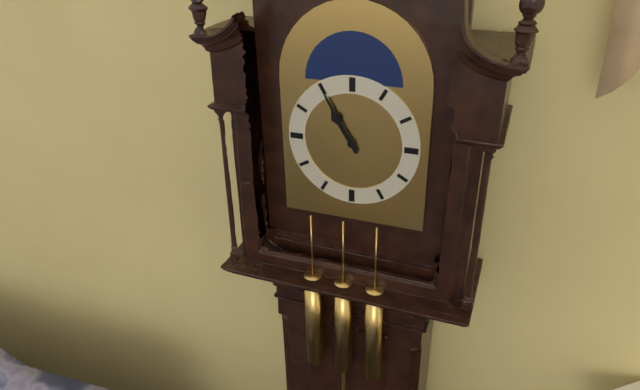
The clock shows 10h55
